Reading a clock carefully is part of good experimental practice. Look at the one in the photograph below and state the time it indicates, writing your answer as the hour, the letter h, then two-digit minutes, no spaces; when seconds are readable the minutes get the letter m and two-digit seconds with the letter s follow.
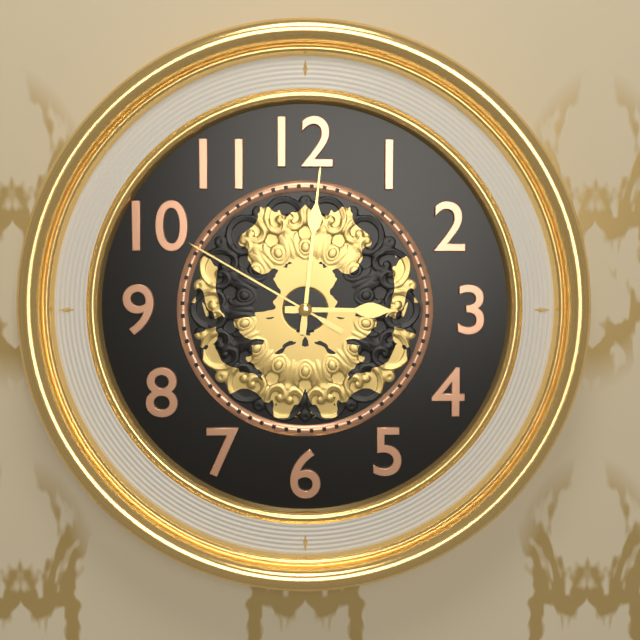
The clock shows 3h01m50s
